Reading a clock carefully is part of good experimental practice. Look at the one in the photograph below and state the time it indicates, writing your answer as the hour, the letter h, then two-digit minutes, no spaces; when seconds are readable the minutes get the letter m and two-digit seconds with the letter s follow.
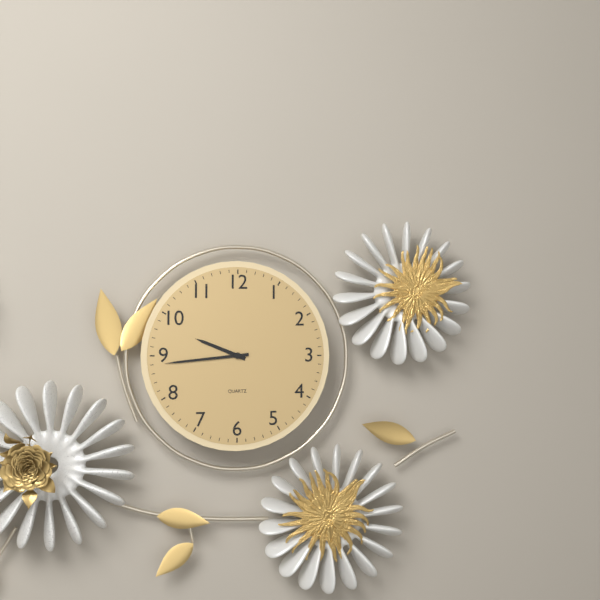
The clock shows 9h44
